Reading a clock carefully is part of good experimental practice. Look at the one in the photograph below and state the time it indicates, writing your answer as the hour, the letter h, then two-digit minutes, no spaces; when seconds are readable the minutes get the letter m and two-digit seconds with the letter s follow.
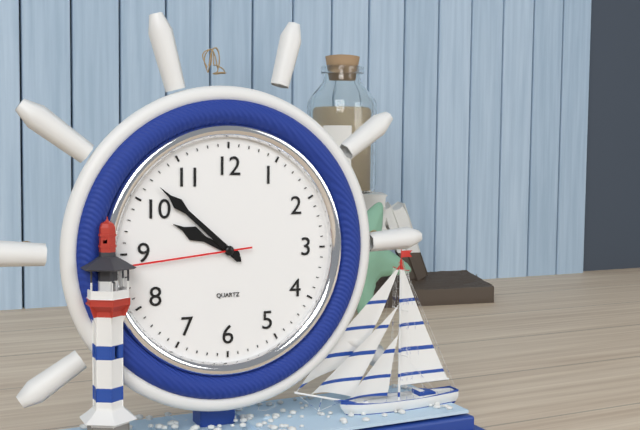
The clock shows 9h52m44s
